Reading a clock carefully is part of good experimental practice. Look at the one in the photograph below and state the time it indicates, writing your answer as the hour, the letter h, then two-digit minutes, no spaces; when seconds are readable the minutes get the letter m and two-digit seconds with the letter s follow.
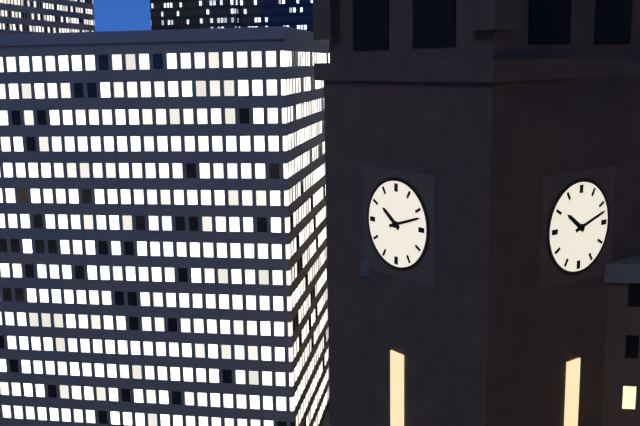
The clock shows 10h12
